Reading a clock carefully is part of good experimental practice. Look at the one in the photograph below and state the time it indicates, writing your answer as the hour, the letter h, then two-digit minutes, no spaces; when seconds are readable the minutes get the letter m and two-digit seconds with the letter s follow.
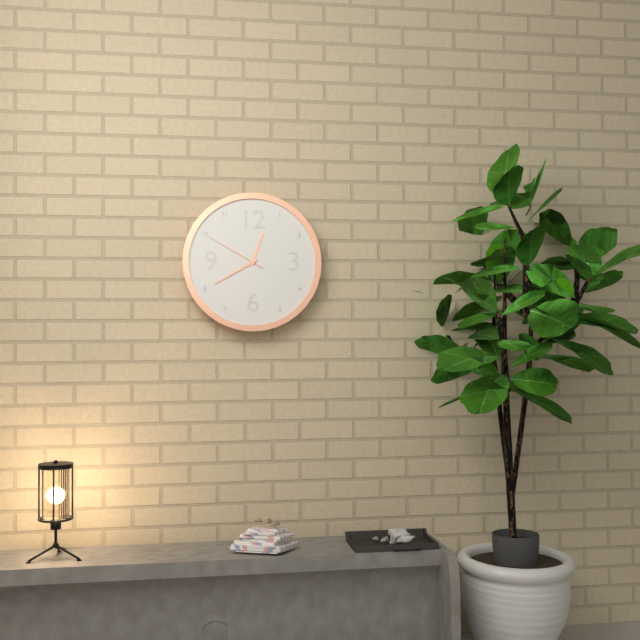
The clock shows 12h40m50s
